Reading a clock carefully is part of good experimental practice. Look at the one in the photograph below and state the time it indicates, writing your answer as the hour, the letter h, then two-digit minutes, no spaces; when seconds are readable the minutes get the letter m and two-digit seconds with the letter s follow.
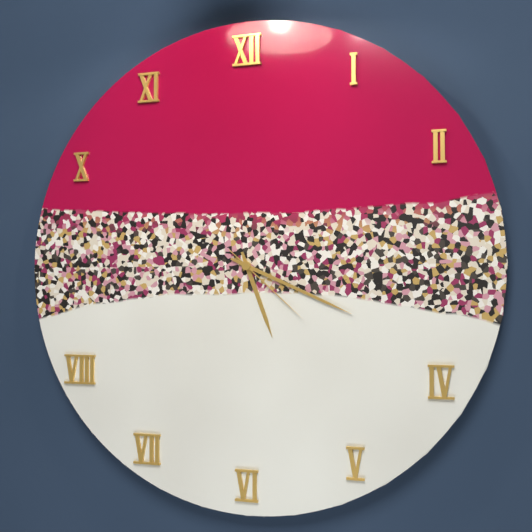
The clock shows 5h19m22s
